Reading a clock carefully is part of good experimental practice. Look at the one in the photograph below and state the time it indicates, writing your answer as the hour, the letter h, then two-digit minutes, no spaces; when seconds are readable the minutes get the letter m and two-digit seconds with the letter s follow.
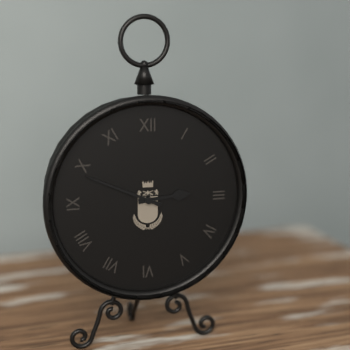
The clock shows 2h49
